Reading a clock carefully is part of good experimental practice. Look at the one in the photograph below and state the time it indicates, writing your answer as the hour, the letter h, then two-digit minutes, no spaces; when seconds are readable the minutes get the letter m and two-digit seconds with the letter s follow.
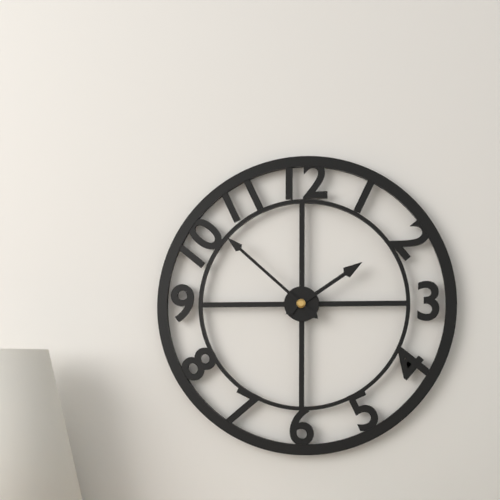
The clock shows 1h52
